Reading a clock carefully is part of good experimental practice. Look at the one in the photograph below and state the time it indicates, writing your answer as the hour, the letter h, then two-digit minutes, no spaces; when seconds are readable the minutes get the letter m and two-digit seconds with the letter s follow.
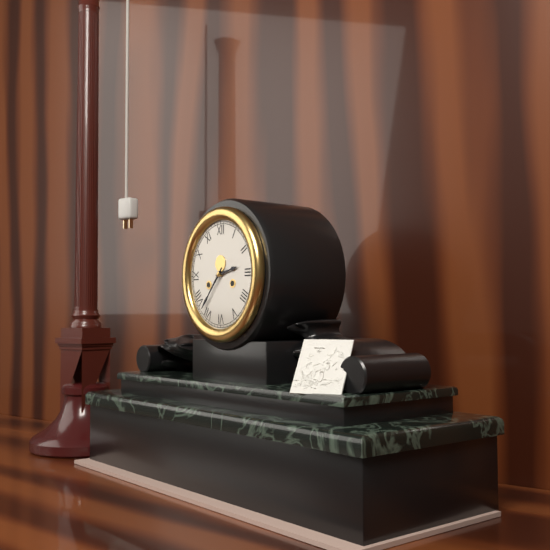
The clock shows 2h37
